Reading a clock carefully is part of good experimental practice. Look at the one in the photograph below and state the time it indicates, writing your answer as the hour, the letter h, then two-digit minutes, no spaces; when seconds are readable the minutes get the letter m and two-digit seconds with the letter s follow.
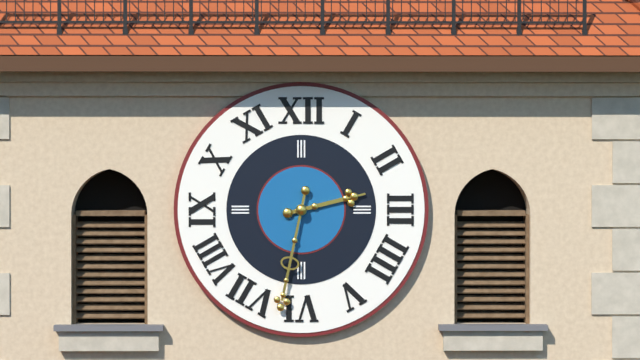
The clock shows 2h32
